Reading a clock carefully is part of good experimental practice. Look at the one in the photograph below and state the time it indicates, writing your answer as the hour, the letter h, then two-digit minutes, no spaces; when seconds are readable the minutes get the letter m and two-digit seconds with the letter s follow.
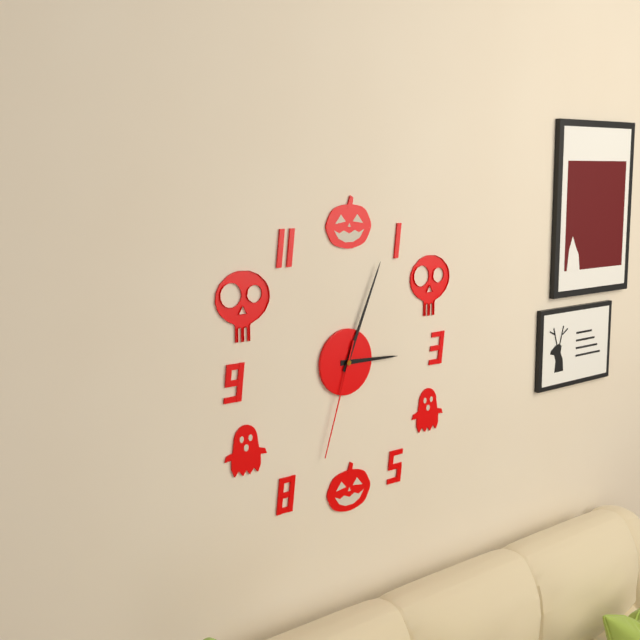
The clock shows 3h04m33s
